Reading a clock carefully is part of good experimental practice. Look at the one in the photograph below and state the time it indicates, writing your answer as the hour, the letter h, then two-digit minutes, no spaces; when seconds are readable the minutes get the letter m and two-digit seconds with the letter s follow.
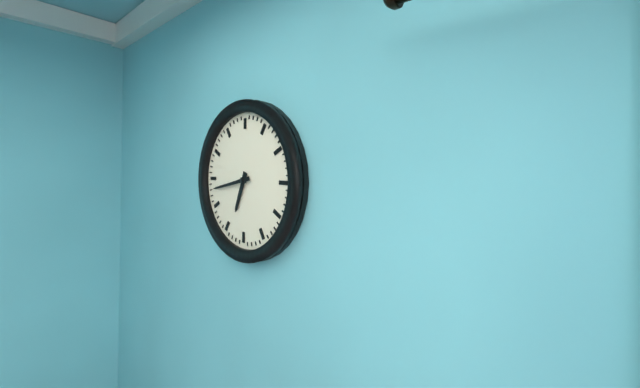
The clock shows 6h43
